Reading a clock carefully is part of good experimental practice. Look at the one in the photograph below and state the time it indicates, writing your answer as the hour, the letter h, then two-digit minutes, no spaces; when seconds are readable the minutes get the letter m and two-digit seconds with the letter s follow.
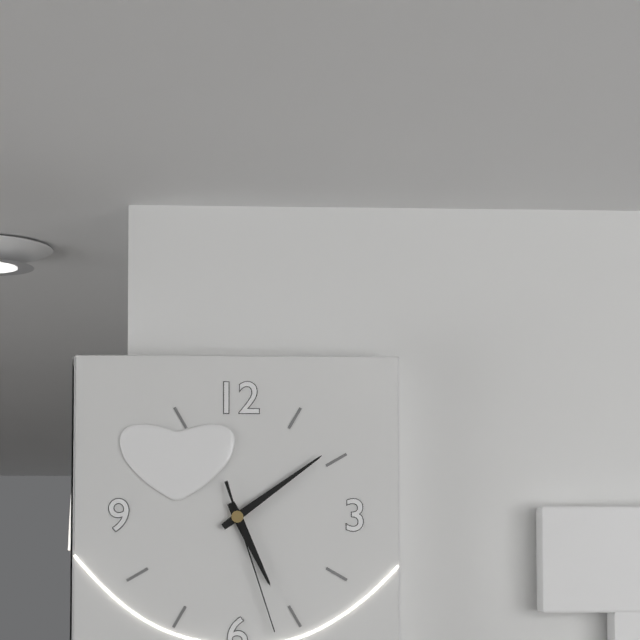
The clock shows 5h09m27s
